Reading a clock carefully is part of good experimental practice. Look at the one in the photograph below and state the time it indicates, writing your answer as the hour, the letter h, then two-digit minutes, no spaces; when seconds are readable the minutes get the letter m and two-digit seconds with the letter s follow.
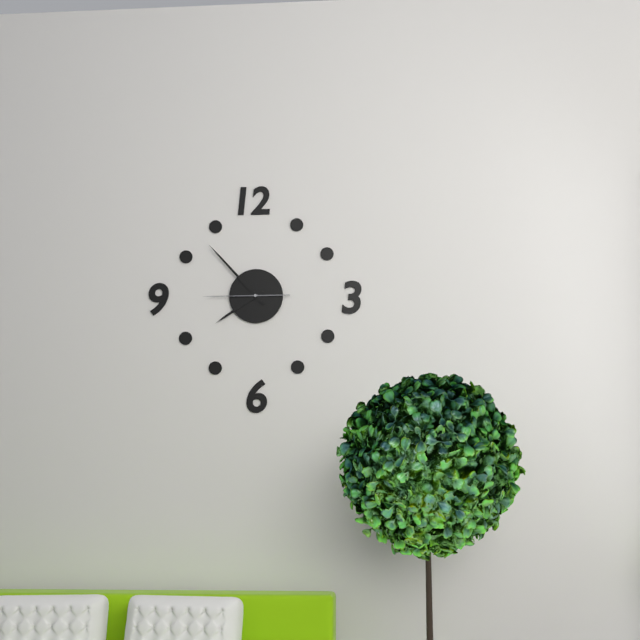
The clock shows 7h53m45s
